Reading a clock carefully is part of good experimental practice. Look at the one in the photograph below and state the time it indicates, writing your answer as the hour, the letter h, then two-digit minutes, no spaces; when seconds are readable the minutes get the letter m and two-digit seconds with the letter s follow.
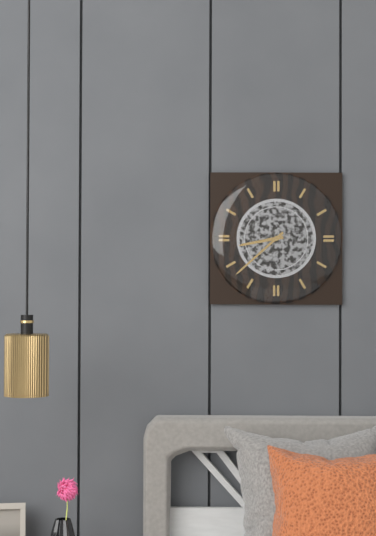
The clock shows 8h38
